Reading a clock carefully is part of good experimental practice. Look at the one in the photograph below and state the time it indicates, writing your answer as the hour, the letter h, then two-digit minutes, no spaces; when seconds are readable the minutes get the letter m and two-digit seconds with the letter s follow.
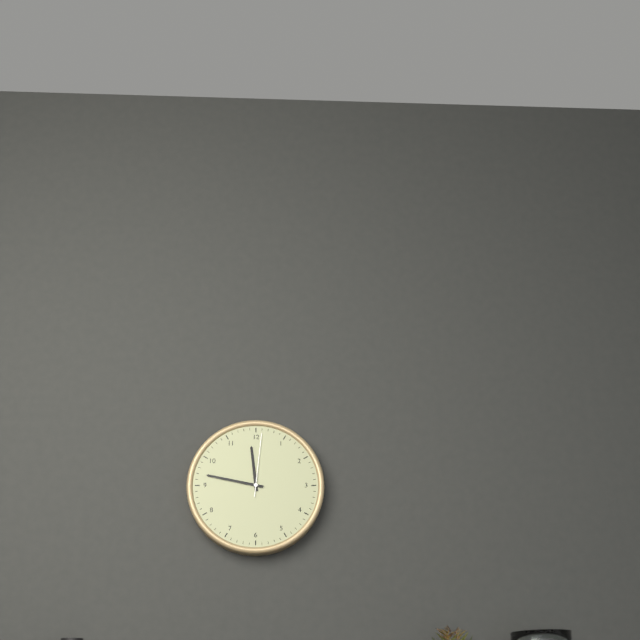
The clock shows 11h47m01s
